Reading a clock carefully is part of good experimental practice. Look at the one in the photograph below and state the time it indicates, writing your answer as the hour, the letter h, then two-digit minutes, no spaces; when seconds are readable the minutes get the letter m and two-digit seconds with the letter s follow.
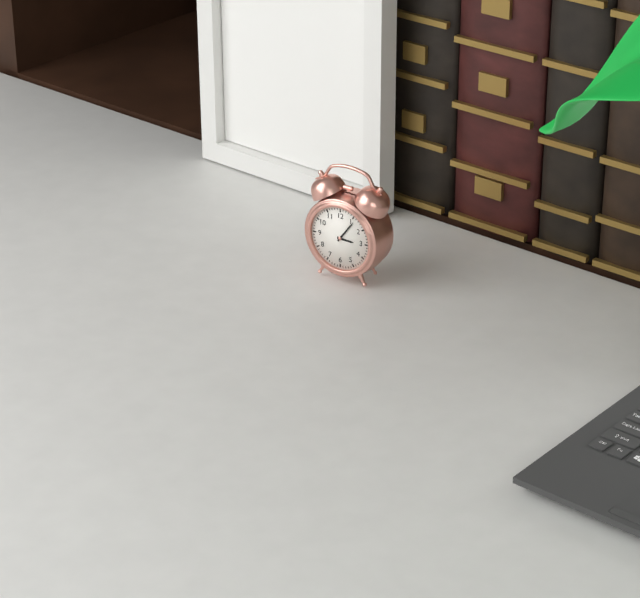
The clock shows 3h06
